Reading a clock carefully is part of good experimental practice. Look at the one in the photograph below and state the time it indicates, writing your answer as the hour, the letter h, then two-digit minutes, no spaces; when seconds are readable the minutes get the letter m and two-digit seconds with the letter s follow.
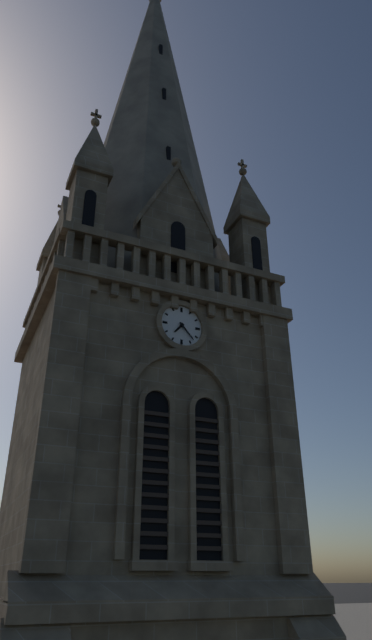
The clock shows 7h23
